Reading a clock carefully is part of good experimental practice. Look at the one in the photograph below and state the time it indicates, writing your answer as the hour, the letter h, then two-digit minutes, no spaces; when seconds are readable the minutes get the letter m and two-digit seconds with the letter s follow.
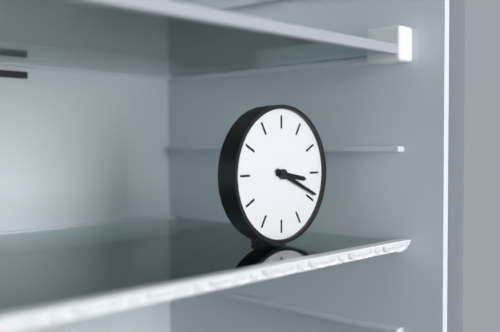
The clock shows 3h19
